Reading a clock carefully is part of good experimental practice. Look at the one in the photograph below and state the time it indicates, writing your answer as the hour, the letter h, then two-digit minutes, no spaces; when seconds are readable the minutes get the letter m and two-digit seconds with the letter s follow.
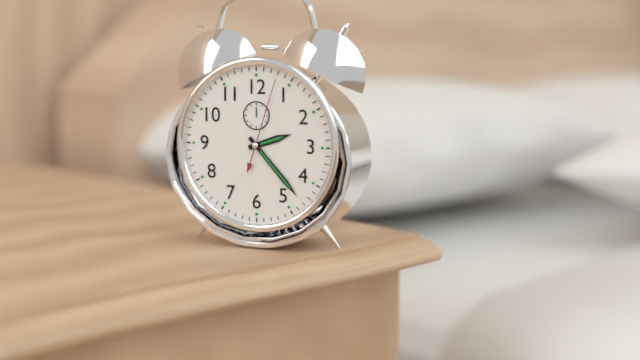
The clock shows 2h23m03s
